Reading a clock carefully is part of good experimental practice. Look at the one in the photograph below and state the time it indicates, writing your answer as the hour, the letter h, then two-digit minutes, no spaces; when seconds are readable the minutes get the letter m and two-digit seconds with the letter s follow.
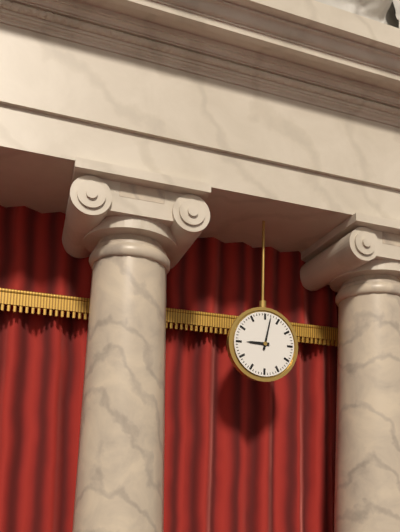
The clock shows 9h02
